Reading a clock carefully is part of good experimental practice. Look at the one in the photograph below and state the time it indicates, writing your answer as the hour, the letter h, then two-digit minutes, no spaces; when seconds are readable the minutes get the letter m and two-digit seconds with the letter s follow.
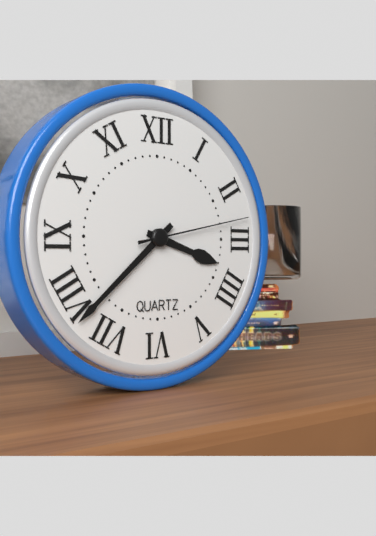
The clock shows 3h38m13s
